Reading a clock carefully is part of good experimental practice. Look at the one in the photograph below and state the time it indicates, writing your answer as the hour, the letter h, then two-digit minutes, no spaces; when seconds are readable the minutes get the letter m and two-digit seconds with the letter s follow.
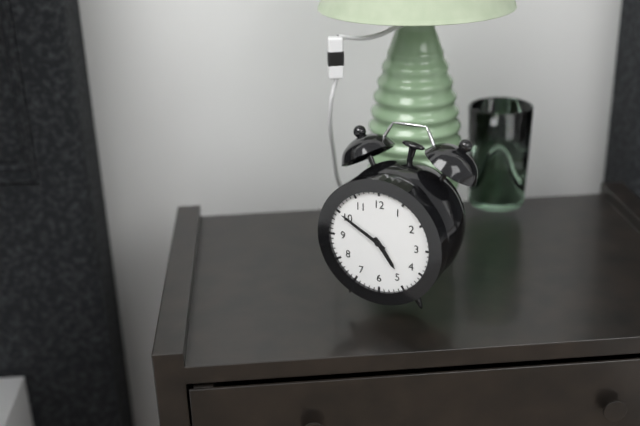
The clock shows 4h50
